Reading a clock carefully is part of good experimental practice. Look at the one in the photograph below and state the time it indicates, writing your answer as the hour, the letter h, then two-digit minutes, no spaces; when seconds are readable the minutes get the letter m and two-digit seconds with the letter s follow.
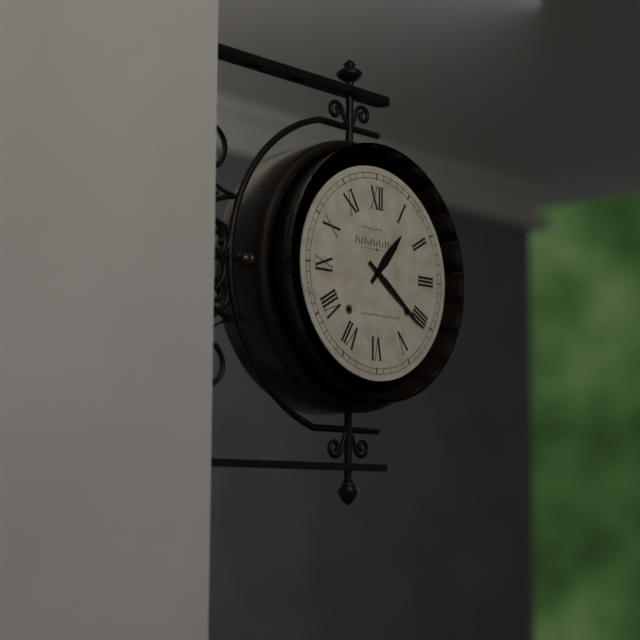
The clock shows 1h21
